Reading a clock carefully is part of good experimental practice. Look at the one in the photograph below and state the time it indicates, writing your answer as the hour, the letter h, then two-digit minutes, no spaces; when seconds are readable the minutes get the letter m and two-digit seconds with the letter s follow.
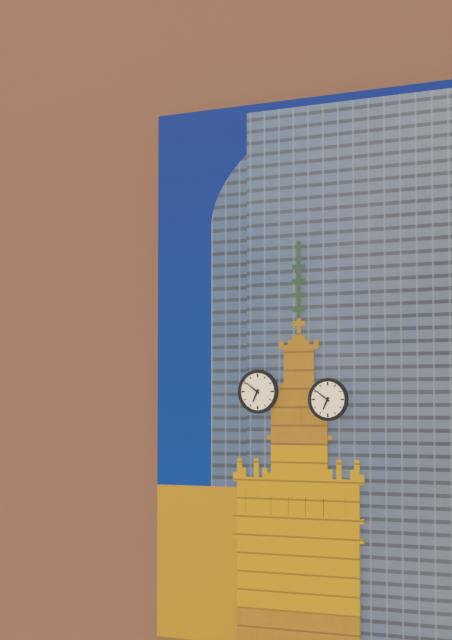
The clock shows 6h51
